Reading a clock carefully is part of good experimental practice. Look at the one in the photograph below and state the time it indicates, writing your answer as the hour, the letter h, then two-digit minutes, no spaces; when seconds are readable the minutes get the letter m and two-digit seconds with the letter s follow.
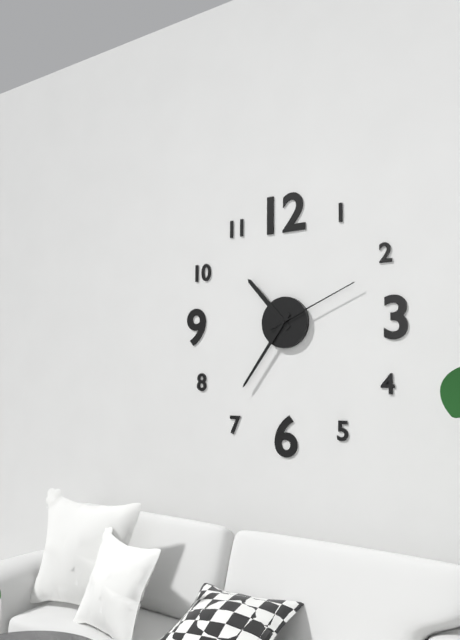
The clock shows 10h36m11s
